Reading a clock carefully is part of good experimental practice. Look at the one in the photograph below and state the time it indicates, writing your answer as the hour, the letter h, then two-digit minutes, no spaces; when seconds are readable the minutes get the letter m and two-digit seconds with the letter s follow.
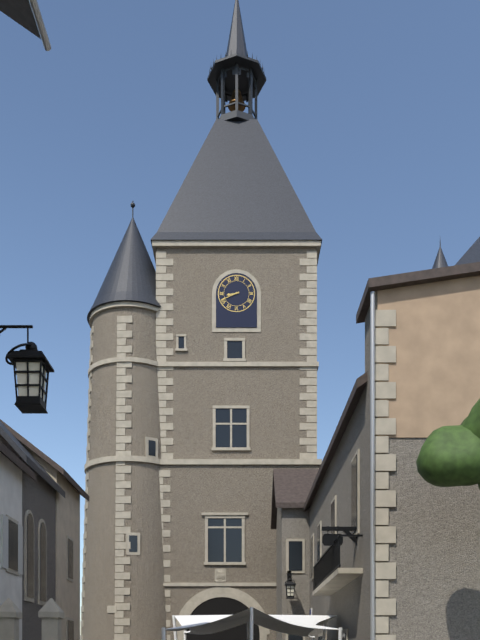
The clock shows 8h41
